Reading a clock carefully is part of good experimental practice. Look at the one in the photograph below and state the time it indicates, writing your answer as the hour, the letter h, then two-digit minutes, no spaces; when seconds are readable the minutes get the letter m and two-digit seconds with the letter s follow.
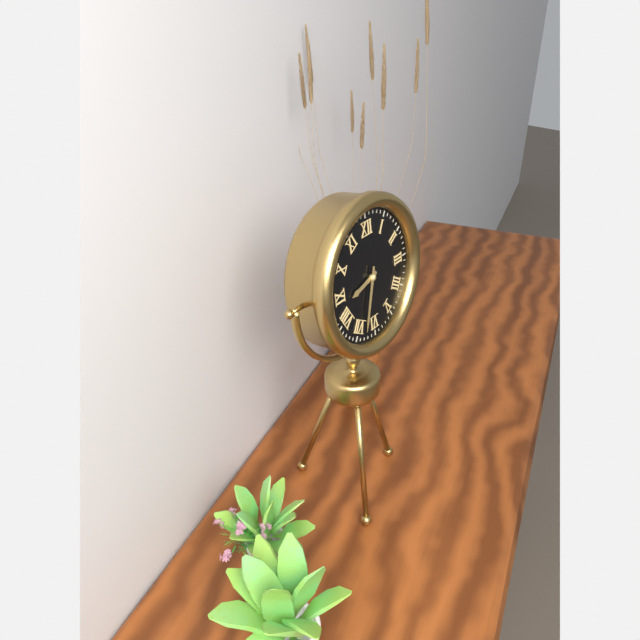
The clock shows 8h33
